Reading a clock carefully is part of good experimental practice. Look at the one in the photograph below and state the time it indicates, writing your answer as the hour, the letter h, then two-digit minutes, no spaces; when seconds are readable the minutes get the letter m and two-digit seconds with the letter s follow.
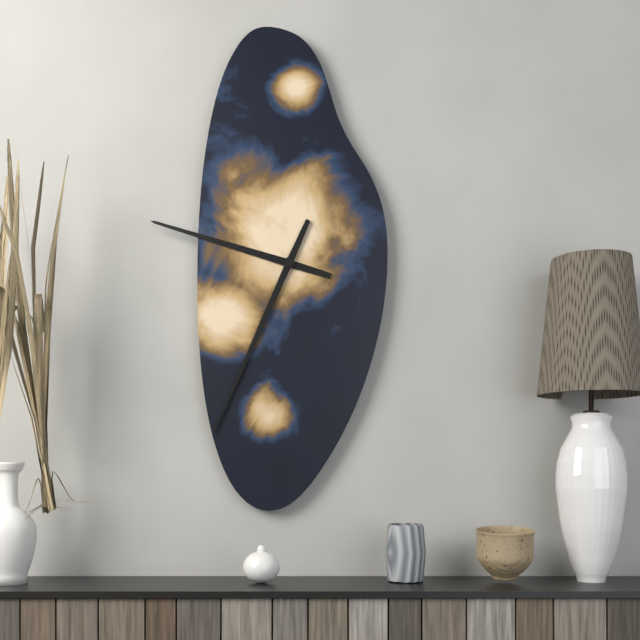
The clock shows 9h34
